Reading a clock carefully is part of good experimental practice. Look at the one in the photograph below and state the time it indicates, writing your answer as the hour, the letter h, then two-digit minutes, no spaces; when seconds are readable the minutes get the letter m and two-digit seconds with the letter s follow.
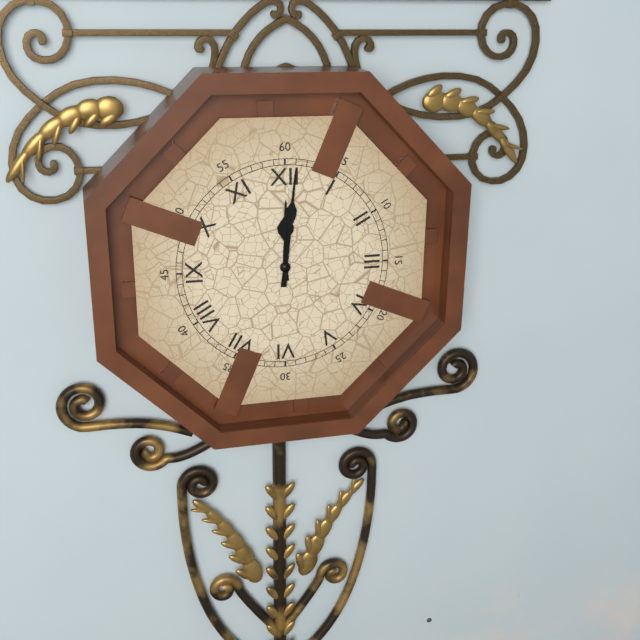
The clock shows 12h01
